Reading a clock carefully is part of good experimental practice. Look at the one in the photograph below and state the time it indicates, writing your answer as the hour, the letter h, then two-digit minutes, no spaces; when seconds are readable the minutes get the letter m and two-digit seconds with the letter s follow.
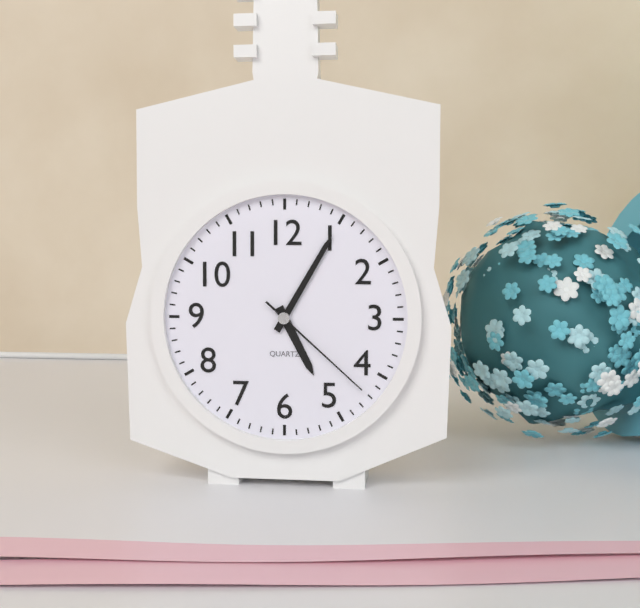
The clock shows 5h05m22s
